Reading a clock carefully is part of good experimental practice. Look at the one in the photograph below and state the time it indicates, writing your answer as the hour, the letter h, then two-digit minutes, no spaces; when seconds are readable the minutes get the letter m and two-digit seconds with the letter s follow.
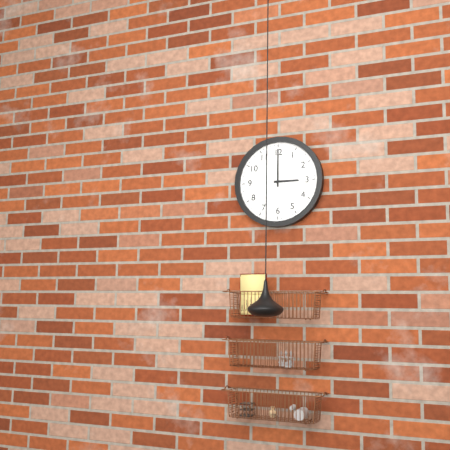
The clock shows 3h00
